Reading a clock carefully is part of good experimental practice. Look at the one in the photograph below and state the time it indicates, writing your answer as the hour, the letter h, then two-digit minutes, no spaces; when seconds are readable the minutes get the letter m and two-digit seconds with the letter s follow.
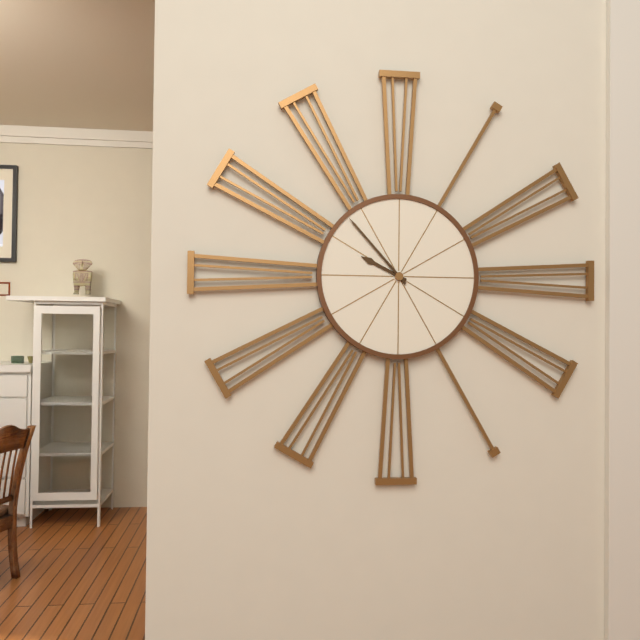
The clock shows 9h53
